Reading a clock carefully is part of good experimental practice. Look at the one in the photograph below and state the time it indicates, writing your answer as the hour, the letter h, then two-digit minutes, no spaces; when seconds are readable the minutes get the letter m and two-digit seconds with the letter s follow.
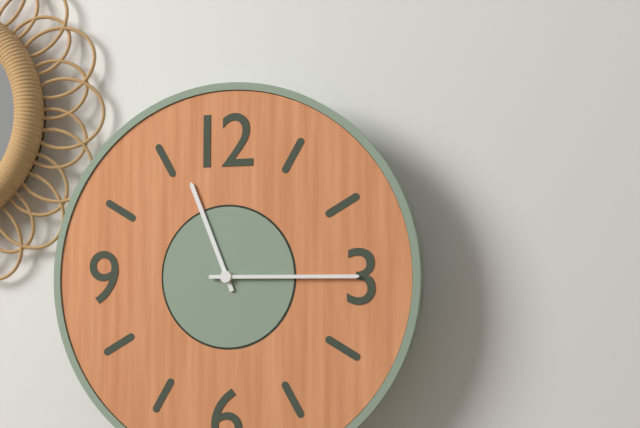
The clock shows 11h15
